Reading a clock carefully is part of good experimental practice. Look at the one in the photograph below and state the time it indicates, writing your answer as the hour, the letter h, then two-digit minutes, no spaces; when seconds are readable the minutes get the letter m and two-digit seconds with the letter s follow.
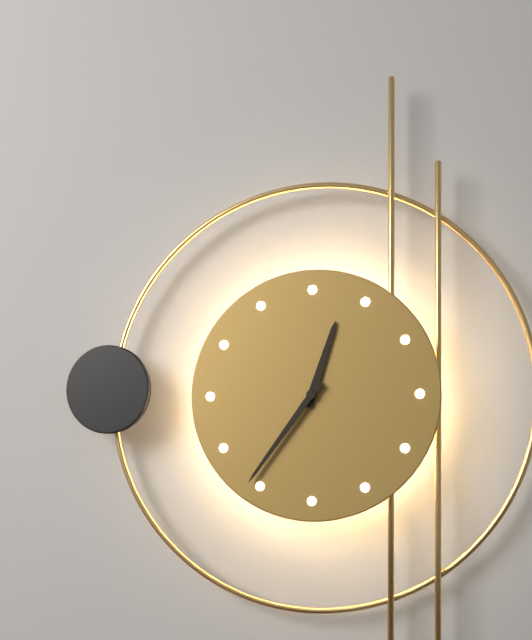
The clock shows 12h36
